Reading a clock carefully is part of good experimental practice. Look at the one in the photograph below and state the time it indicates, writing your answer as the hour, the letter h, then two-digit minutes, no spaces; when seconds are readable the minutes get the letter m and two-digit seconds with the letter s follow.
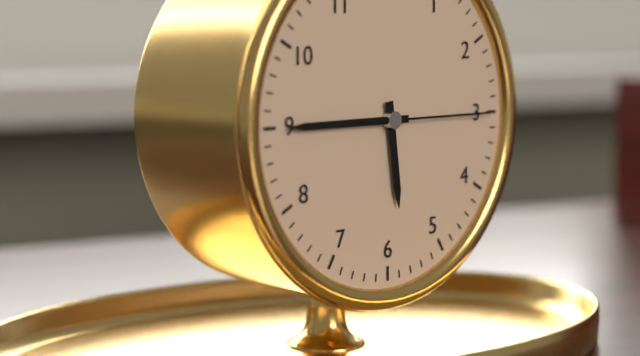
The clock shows 5h45m15s
